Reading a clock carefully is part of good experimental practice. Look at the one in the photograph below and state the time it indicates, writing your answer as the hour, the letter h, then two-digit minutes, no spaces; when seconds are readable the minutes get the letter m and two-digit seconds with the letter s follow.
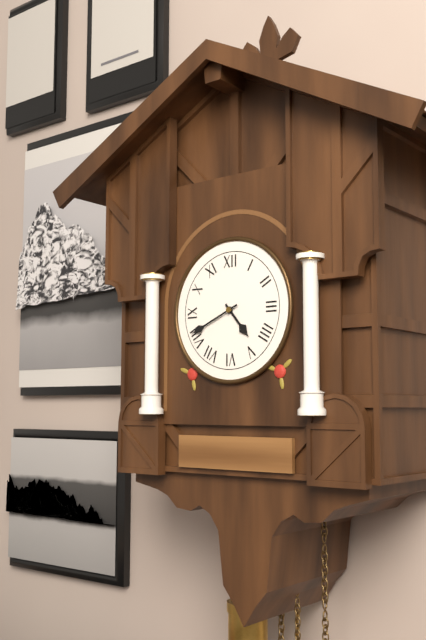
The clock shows 4h41
